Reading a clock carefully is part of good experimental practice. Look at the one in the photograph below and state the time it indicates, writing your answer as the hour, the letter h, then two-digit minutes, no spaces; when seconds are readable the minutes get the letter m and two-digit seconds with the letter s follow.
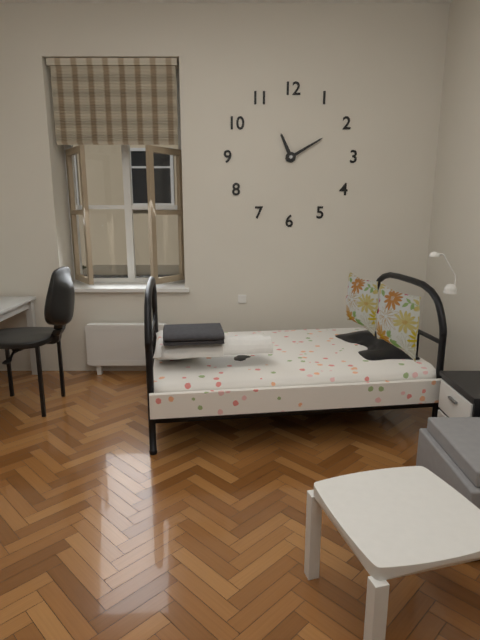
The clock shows 11h10
